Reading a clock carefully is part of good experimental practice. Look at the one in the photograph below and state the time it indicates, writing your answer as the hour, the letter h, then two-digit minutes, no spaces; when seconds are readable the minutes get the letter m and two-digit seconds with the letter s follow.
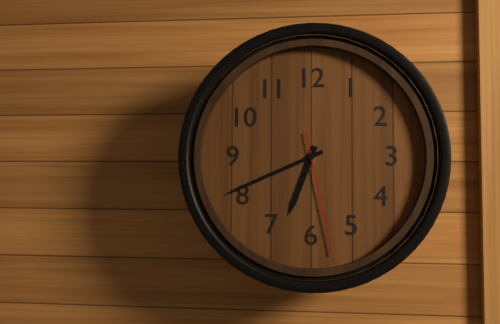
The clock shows 6h41m28s
